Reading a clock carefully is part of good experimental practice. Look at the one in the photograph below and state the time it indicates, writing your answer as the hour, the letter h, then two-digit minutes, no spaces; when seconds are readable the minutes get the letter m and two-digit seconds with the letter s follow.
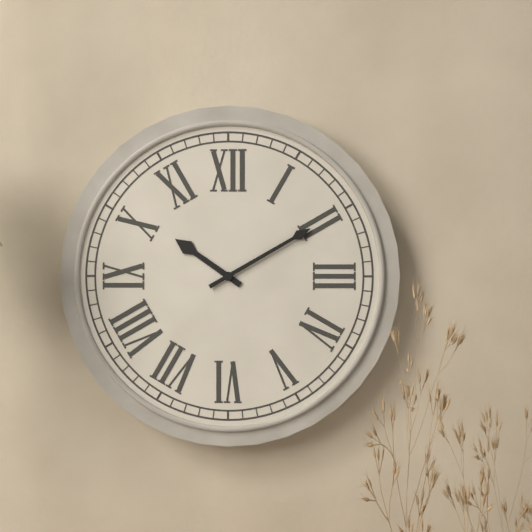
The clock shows 10h10
